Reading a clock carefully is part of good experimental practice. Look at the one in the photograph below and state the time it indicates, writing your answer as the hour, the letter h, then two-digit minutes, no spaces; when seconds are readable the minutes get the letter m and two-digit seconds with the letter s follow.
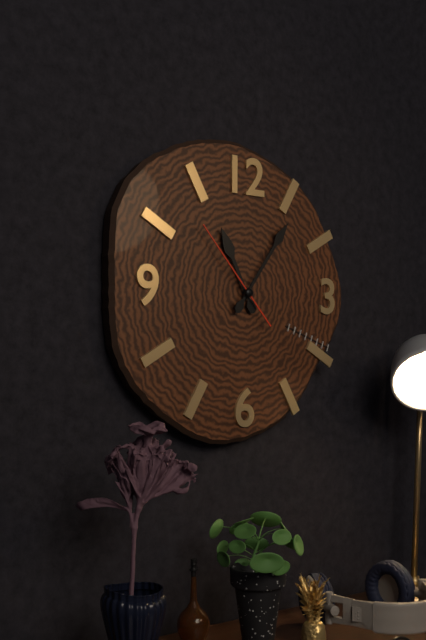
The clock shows 11h06m53s
